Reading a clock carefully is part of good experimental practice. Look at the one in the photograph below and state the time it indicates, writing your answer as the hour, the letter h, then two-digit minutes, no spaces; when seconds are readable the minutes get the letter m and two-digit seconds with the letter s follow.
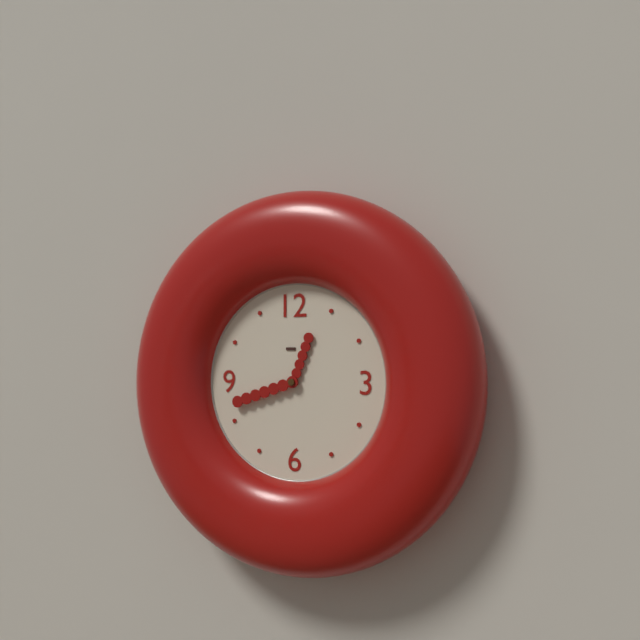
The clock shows 12h42
